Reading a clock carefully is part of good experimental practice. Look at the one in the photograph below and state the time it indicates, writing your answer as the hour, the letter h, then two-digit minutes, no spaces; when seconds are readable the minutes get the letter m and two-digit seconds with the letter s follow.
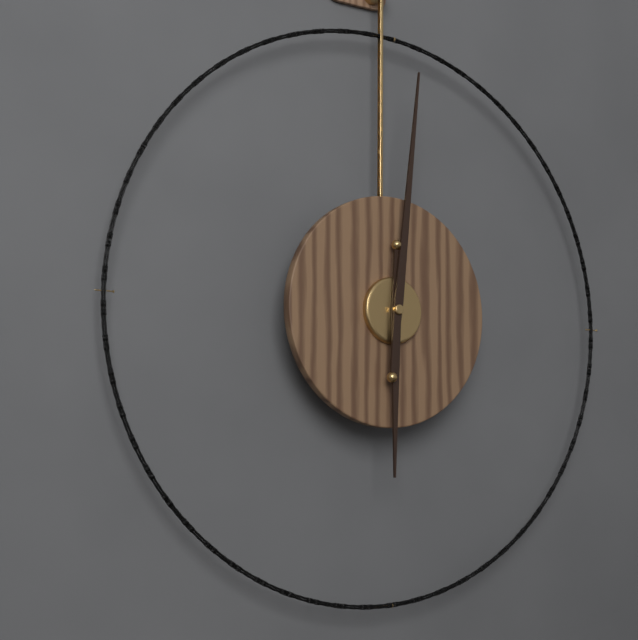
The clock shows 6h01
